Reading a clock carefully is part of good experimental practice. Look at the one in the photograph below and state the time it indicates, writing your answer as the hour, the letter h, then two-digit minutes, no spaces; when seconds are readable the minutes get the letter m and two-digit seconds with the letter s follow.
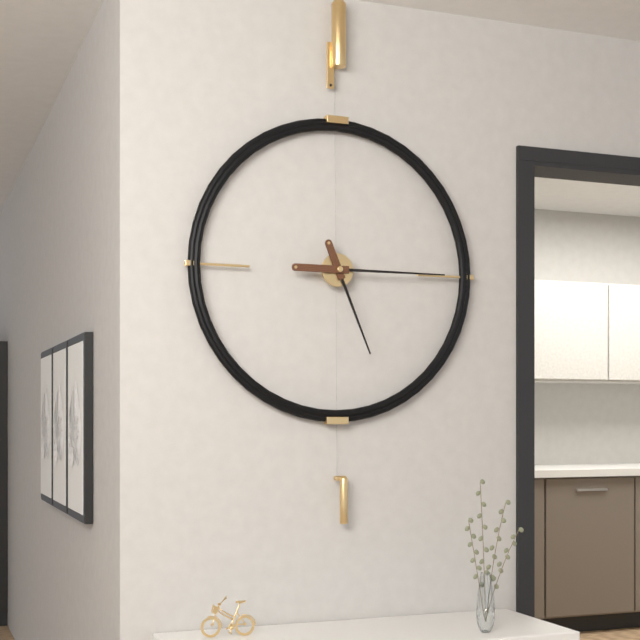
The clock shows 5h15
